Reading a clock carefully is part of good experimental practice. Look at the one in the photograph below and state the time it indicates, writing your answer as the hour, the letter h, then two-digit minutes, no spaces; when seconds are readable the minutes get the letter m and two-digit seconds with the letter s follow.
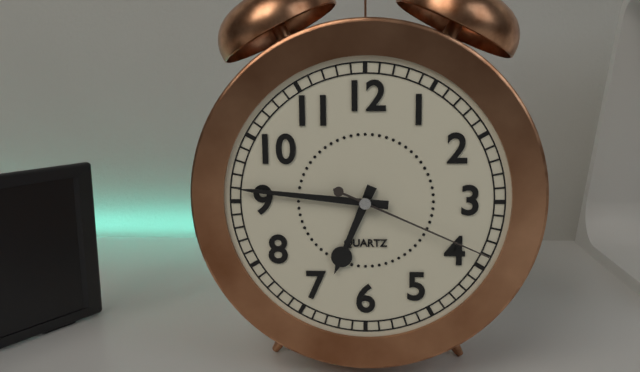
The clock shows 6h46m19s
